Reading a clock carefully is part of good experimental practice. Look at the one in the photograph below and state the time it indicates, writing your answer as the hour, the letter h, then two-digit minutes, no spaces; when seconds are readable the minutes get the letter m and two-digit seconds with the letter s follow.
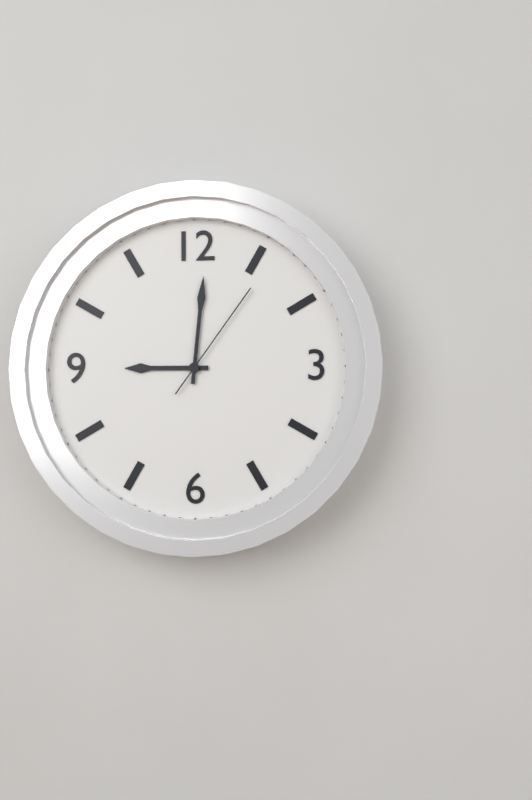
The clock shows 9h01m06s
